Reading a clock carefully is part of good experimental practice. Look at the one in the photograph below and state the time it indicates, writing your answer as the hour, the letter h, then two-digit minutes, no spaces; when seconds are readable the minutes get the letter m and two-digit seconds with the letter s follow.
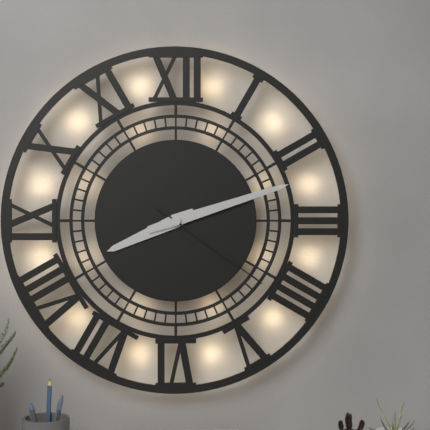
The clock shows 8h12m21s
